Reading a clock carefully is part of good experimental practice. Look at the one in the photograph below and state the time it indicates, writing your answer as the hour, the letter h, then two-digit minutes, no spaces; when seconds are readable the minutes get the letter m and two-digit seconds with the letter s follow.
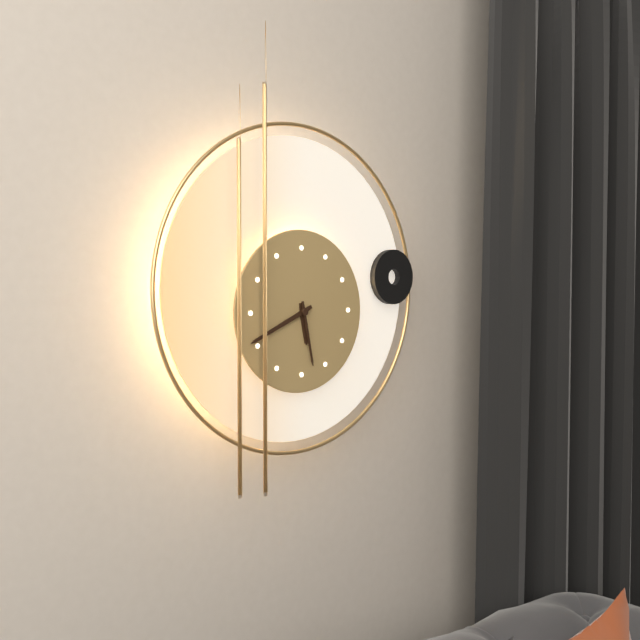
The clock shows 5h41m28s
